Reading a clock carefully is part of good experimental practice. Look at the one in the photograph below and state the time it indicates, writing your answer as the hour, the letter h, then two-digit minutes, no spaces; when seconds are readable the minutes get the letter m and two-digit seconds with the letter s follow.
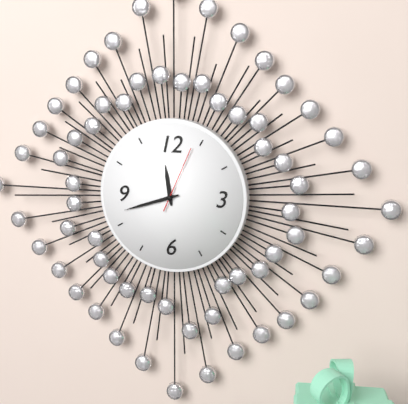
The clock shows 11h42m04s
